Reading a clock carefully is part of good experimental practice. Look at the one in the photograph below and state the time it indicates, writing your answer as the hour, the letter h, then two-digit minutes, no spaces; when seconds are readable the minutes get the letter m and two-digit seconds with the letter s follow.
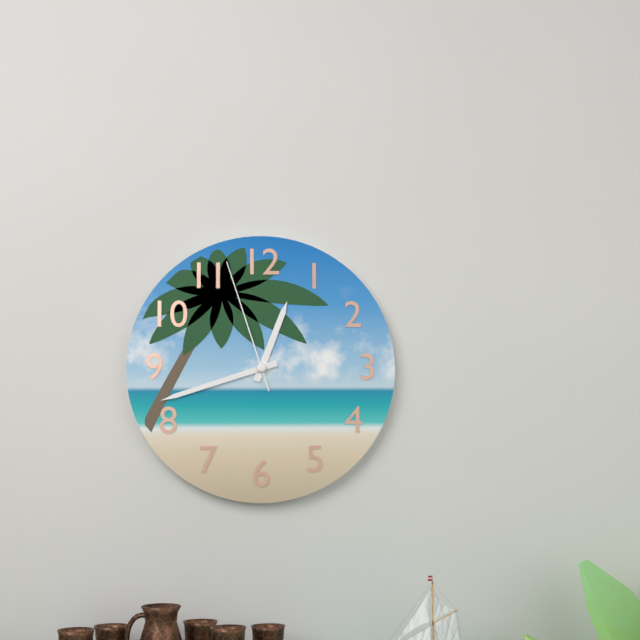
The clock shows 12h42m57s
